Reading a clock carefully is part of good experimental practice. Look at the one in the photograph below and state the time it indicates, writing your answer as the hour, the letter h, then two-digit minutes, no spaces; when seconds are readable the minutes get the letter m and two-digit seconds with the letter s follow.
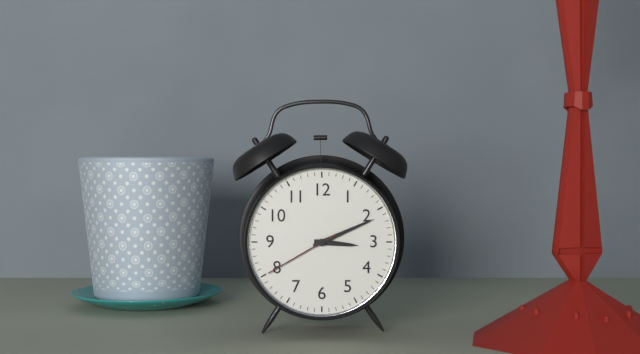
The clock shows 3h11m40s
